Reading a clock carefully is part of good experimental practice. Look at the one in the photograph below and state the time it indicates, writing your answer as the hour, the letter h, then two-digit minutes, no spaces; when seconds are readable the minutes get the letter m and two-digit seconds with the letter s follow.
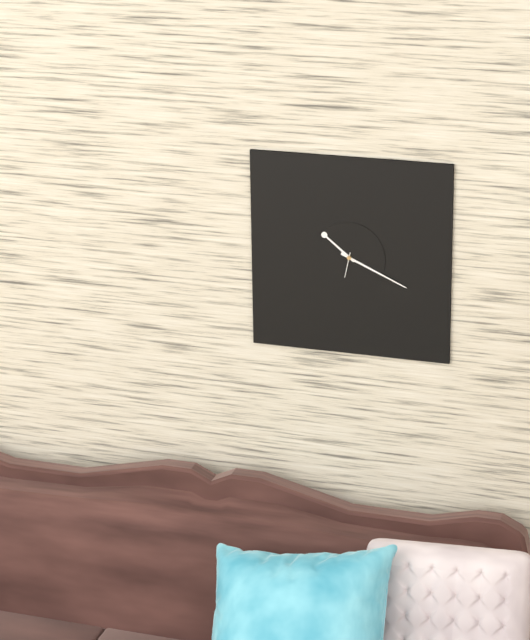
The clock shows 10h19
